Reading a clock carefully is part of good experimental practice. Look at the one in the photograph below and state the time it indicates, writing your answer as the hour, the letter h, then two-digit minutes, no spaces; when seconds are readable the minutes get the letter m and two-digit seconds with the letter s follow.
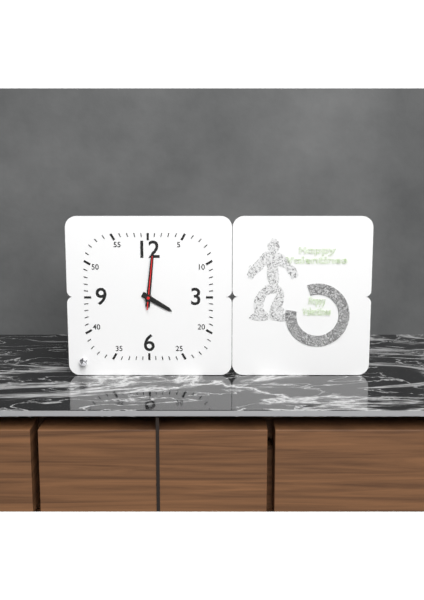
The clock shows 4h01m01s
